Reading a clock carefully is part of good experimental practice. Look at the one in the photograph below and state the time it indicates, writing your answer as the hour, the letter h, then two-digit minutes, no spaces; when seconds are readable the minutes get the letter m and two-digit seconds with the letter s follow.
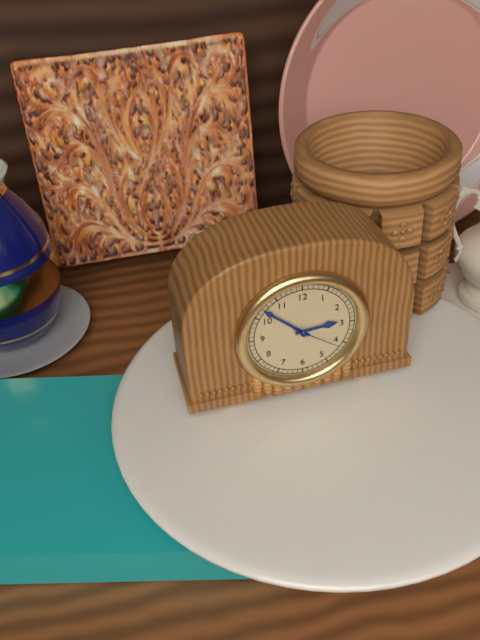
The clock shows 2h52
